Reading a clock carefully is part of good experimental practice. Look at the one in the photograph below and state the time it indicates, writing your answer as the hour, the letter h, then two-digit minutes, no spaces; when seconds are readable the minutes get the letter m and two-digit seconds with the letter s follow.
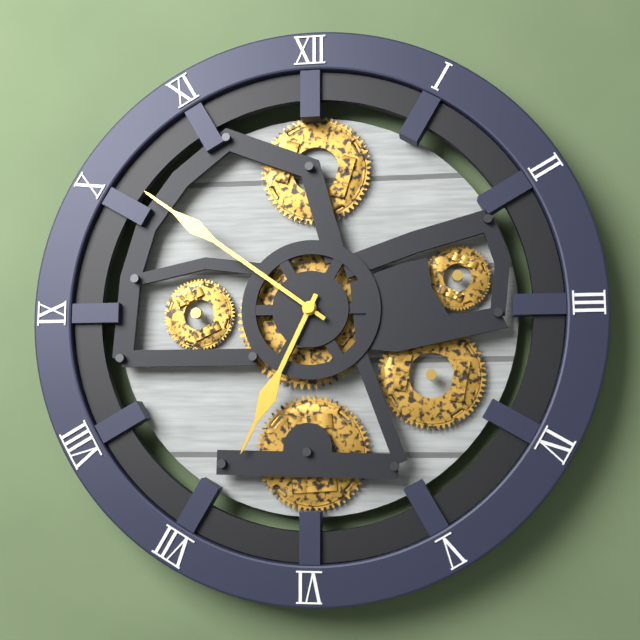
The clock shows 6h51
